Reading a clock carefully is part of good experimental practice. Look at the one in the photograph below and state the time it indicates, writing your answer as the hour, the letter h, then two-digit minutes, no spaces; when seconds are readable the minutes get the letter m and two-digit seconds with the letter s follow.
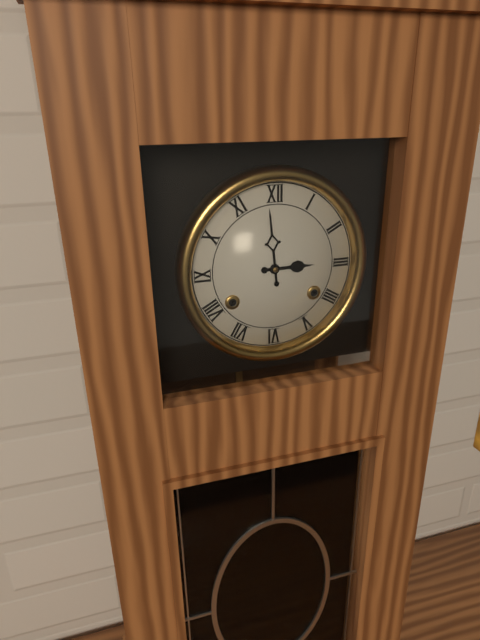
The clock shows 2h59
